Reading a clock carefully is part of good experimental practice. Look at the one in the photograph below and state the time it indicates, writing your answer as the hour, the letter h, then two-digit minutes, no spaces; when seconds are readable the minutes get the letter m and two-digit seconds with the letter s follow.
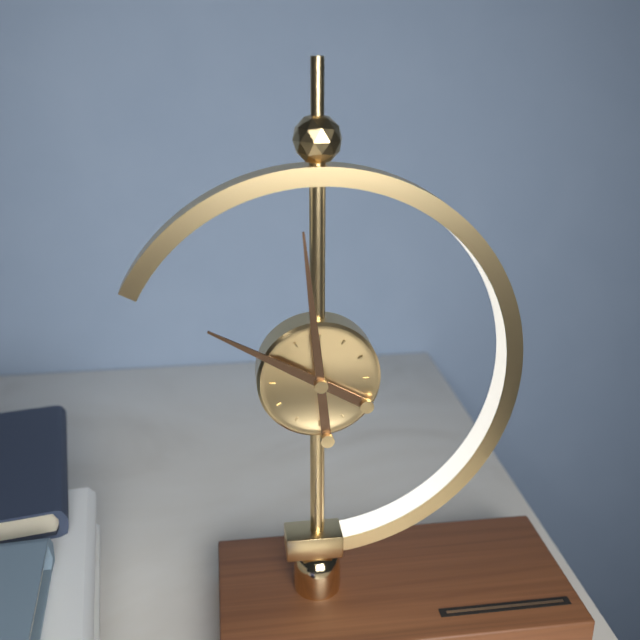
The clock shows 9h59
